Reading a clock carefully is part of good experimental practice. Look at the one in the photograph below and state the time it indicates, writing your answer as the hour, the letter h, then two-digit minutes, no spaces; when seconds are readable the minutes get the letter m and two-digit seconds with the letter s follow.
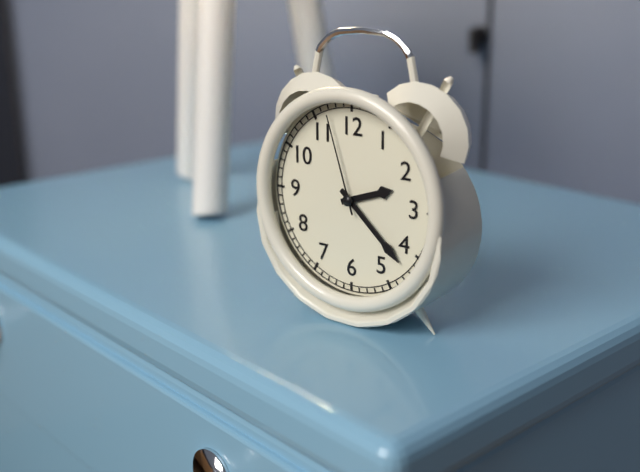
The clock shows 2h22m57s
